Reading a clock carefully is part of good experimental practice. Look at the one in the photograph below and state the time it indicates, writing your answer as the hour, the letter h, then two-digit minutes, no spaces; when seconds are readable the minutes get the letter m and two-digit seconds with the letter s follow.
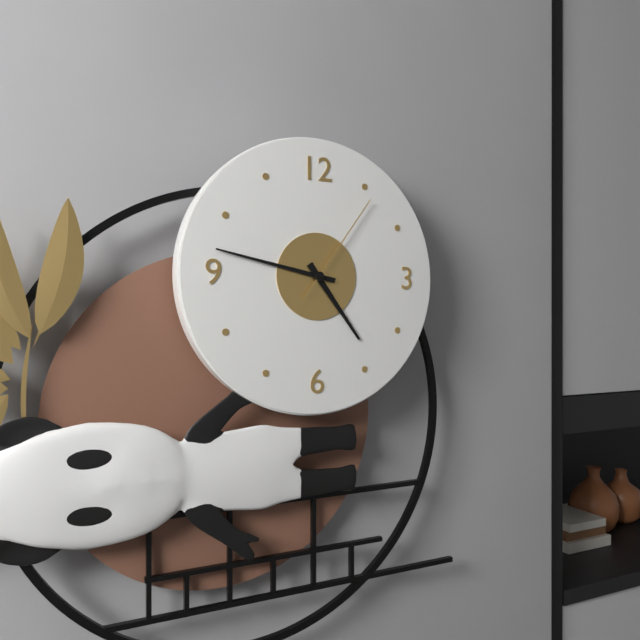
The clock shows 4h47m06s
